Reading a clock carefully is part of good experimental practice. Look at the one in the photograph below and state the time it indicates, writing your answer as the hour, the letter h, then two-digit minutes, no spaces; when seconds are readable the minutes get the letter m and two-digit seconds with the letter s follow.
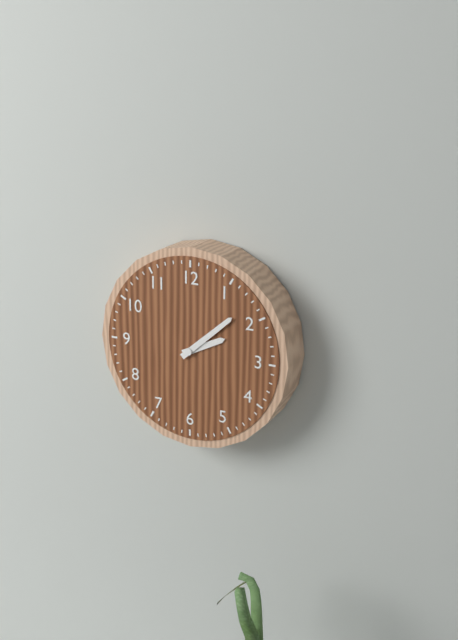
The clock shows 2h08
